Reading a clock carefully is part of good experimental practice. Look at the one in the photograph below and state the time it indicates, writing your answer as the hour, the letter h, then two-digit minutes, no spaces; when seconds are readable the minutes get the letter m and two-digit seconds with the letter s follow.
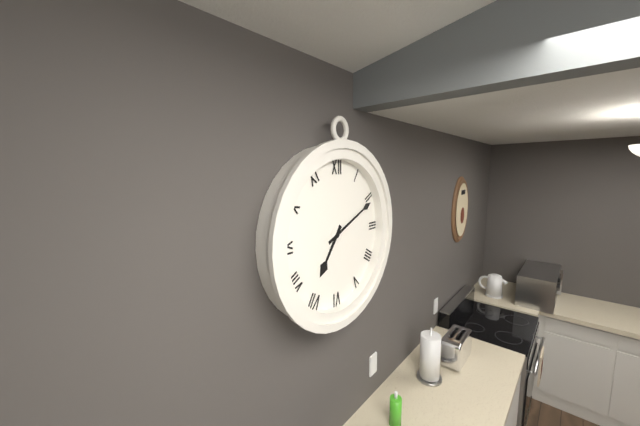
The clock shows 7h11
